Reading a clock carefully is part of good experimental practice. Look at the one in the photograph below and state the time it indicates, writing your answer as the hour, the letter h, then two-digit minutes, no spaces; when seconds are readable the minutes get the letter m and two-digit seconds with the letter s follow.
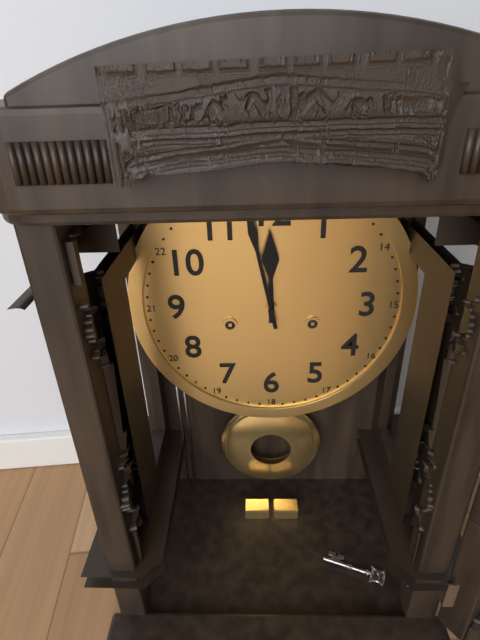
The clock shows 11h58
